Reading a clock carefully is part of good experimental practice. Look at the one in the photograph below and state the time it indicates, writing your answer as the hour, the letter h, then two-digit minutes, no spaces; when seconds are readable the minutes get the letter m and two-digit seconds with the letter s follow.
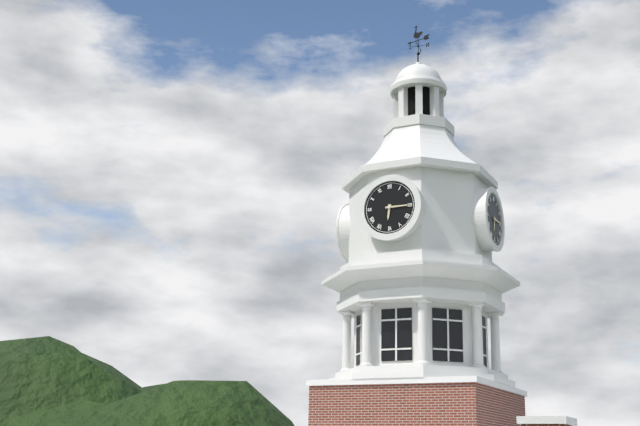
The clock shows 6h15
